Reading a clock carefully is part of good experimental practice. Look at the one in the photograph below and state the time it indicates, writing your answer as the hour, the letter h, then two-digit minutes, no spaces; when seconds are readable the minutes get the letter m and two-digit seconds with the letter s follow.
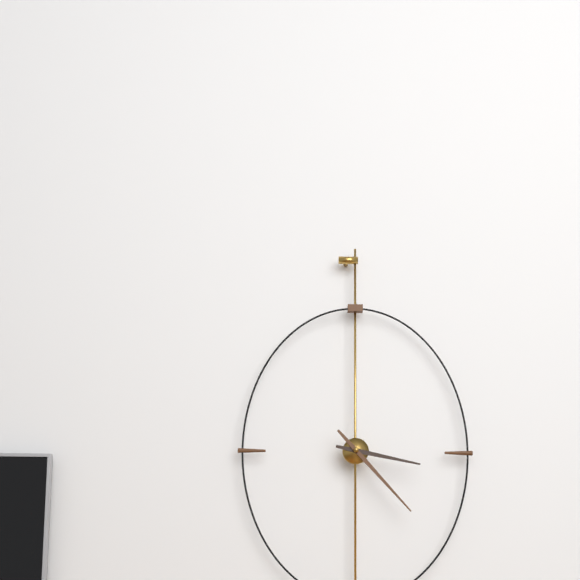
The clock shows 3h23
